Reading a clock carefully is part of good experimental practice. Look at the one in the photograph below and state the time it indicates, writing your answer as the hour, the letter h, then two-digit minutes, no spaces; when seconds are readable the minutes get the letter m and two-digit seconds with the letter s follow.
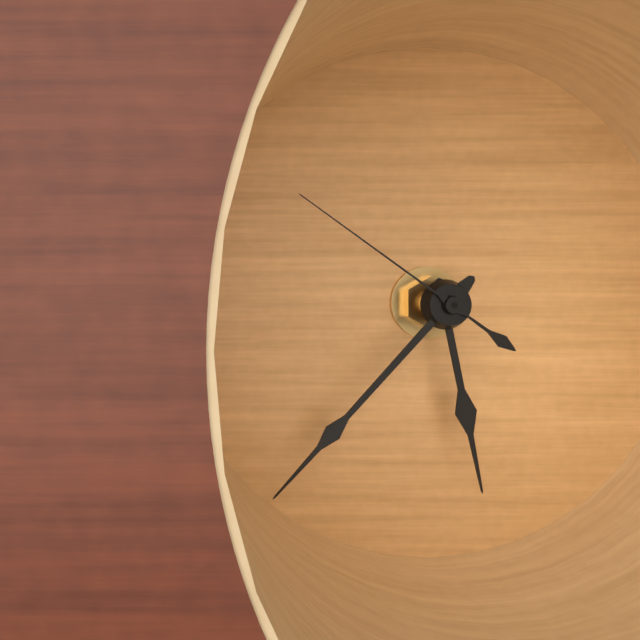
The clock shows 5h37m51s
